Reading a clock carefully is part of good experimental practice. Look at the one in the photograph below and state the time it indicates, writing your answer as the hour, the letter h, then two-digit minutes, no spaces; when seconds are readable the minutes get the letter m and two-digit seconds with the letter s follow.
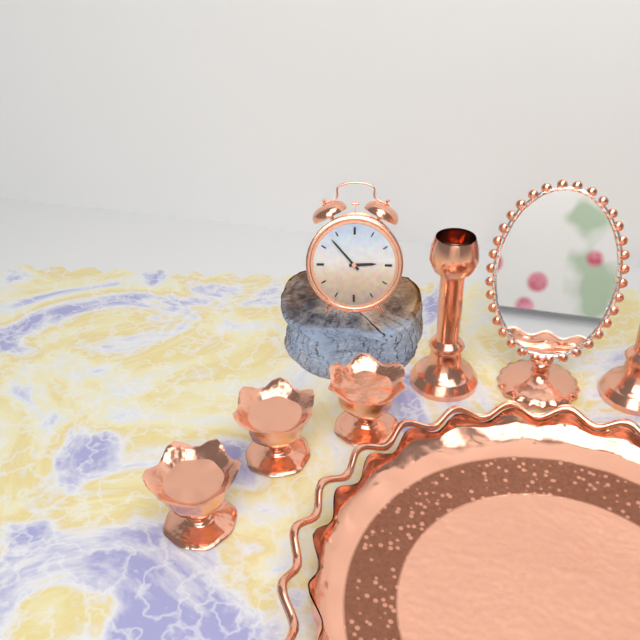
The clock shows 2h53
